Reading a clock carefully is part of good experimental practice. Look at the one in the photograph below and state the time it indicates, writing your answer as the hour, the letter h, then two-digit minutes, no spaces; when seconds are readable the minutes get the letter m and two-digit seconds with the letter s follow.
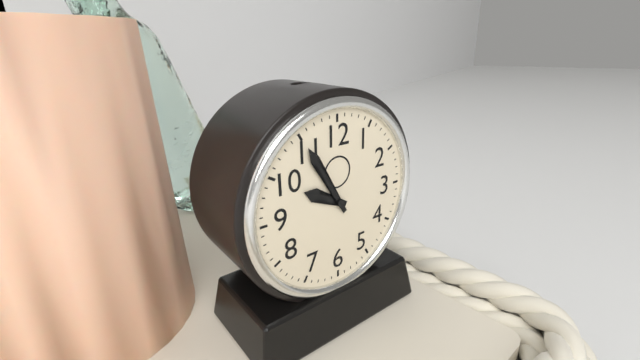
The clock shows 9h55
